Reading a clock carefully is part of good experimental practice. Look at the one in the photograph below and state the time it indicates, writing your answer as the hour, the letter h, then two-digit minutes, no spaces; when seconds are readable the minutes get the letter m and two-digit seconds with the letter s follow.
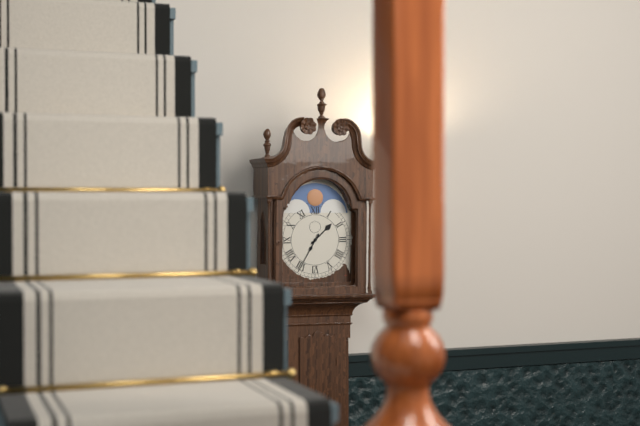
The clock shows 1h35
